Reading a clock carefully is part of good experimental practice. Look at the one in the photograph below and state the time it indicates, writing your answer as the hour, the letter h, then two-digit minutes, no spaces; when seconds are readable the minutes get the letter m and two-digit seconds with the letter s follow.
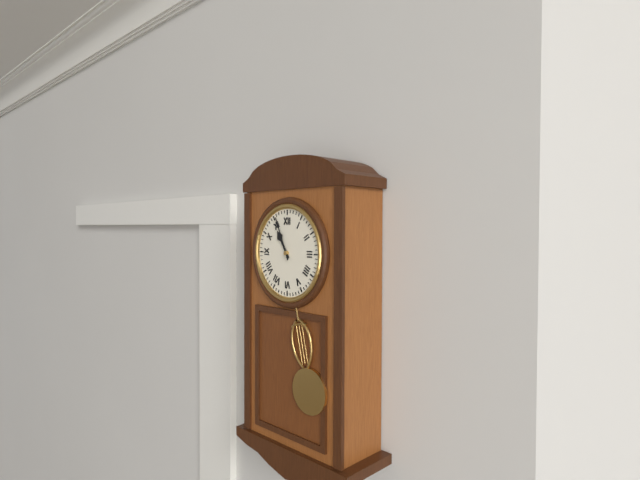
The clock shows 10h56
